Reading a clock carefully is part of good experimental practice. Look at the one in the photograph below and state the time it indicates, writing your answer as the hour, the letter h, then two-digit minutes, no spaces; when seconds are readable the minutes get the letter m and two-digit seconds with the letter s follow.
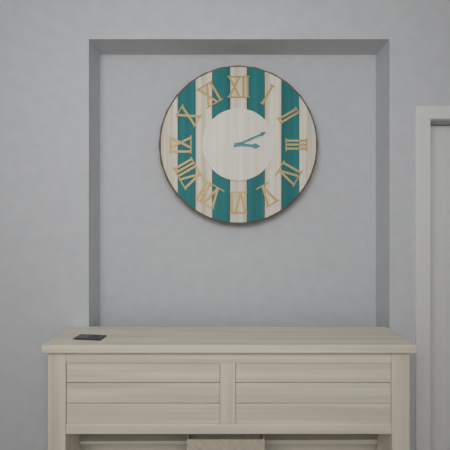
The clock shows 3h11
